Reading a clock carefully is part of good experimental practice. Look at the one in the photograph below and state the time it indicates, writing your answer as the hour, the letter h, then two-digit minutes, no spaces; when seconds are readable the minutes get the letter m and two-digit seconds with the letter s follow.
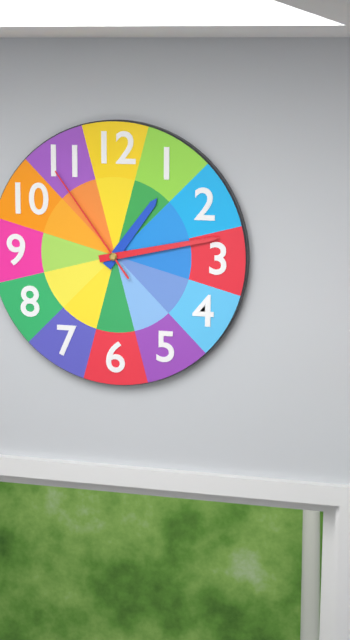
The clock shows 1h13m54s
